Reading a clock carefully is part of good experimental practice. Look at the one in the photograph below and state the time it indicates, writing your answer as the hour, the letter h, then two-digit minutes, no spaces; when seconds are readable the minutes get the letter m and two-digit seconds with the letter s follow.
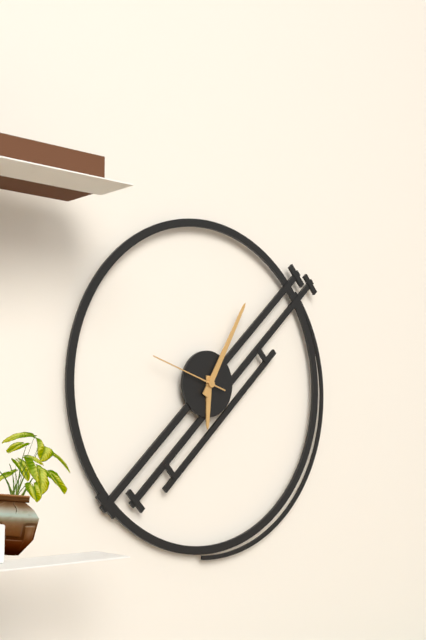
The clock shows 6h05m48s
